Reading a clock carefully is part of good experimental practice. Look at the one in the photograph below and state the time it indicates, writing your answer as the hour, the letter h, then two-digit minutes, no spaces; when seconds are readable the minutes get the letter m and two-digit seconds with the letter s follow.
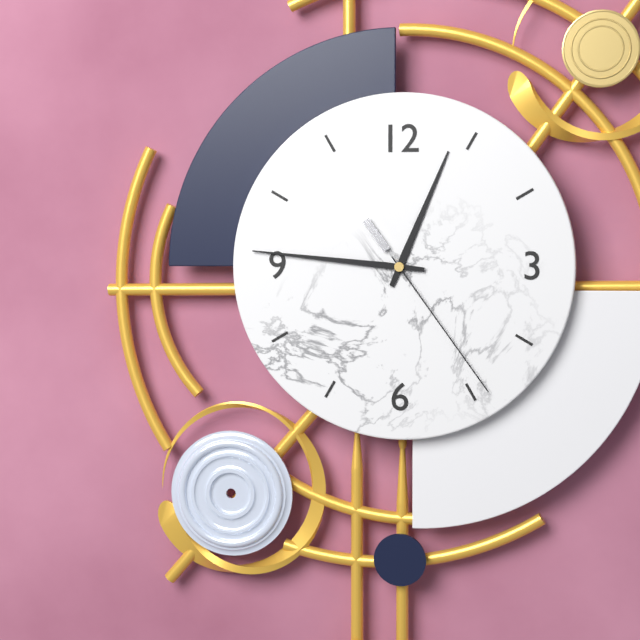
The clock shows 12h46m24s
